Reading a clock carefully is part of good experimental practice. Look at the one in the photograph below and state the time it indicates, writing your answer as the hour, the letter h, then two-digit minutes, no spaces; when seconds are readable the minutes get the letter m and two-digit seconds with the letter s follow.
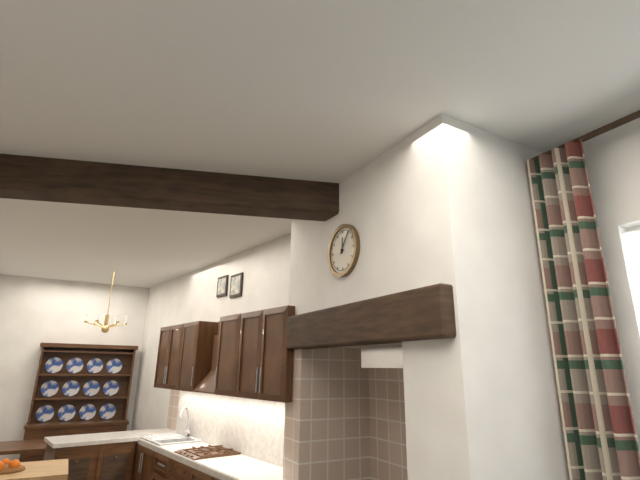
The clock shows 12h06
